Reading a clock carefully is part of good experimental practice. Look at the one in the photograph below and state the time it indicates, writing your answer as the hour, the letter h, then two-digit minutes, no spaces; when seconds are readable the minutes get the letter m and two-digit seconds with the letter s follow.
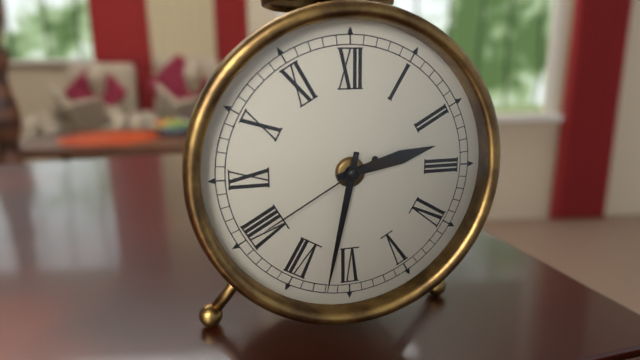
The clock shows 2h32m40s
